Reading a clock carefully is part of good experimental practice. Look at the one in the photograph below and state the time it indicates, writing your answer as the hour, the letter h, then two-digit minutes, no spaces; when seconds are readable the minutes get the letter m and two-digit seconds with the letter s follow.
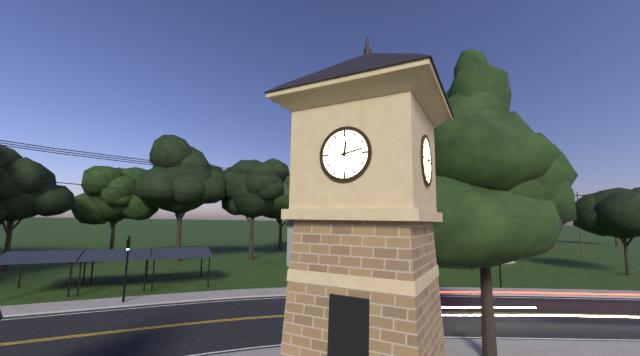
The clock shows 12h13
